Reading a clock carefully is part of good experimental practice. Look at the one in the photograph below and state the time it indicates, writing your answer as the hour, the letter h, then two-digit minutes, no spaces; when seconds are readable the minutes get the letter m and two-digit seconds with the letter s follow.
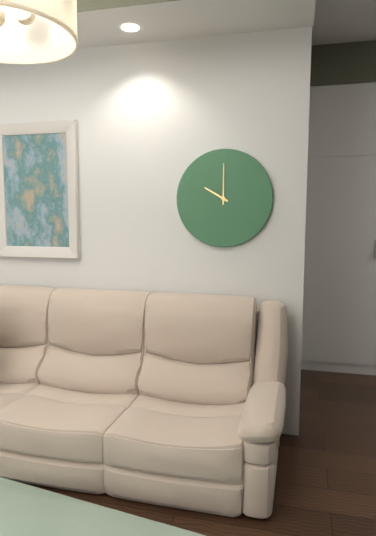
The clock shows 10h00
